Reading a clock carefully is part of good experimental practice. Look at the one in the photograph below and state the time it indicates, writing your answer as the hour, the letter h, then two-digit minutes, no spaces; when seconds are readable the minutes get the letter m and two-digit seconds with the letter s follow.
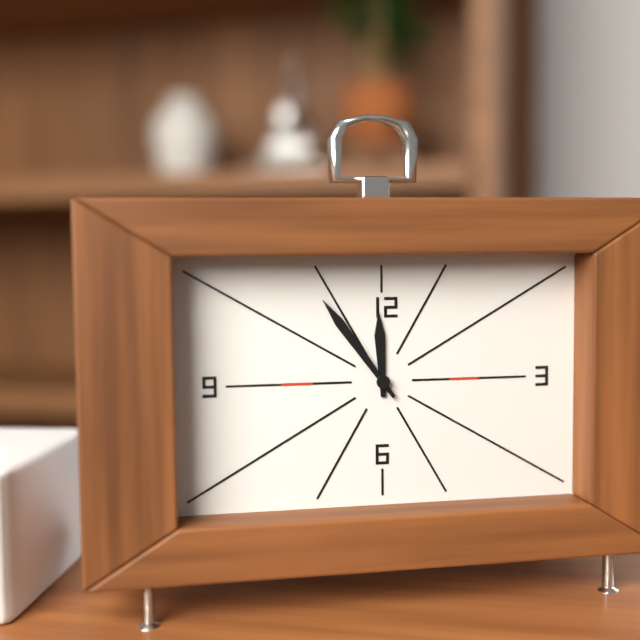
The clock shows 11h54
